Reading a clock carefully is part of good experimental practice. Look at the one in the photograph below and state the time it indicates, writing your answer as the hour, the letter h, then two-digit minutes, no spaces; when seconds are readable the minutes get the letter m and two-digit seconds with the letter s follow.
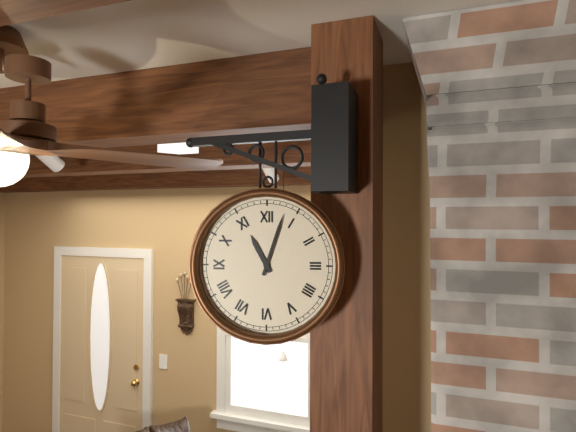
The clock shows 11h03
